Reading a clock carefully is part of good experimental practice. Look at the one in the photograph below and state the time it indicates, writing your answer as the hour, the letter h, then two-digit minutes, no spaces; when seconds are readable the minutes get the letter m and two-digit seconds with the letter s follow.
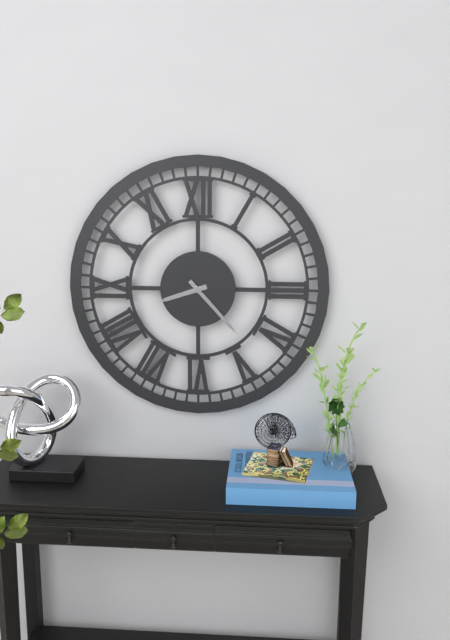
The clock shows 8h23
